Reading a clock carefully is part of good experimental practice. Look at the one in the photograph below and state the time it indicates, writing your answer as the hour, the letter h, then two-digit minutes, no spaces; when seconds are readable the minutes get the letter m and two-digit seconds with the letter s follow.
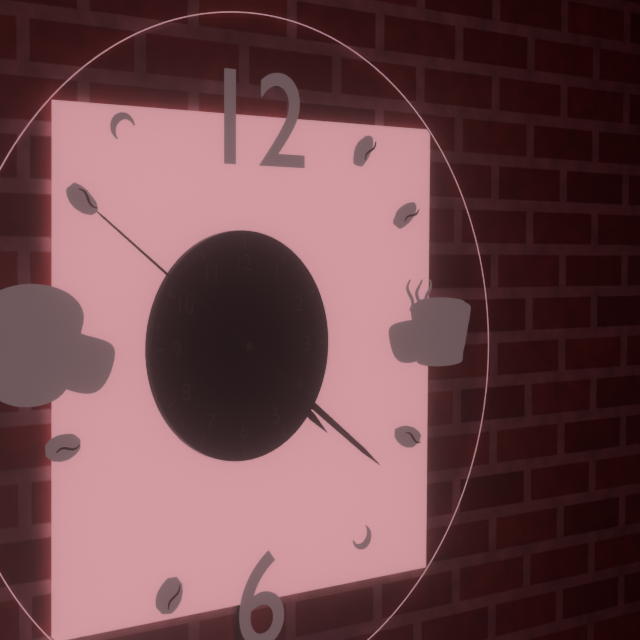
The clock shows 4h21m51s
